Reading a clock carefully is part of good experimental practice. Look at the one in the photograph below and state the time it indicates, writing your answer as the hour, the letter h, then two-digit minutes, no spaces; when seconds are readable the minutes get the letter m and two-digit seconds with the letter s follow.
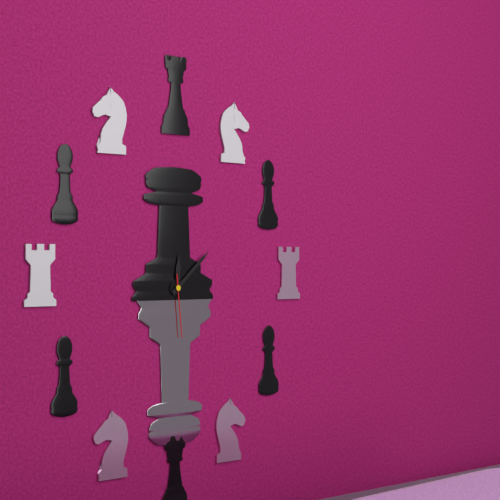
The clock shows 12h08m29s
